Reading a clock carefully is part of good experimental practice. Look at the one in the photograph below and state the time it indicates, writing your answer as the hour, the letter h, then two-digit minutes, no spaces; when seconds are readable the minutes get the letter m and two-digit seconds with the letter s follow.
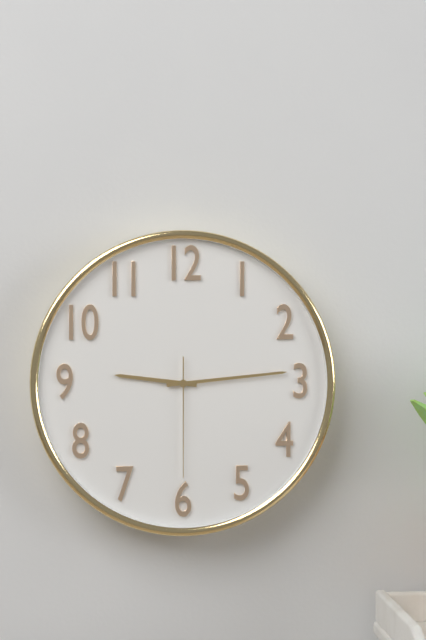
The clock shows 9h14m30s
